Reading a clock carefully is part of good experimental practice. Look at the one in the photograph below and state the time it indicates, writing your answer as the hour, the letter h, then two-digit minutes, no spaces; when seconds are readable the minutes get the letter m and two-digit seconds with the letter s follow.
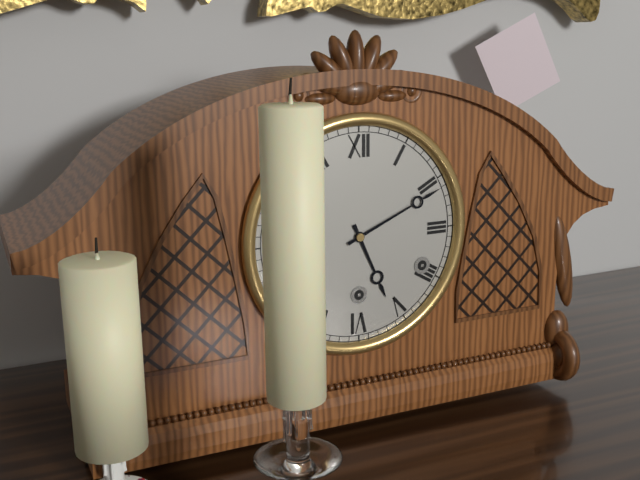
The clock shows 5h11
